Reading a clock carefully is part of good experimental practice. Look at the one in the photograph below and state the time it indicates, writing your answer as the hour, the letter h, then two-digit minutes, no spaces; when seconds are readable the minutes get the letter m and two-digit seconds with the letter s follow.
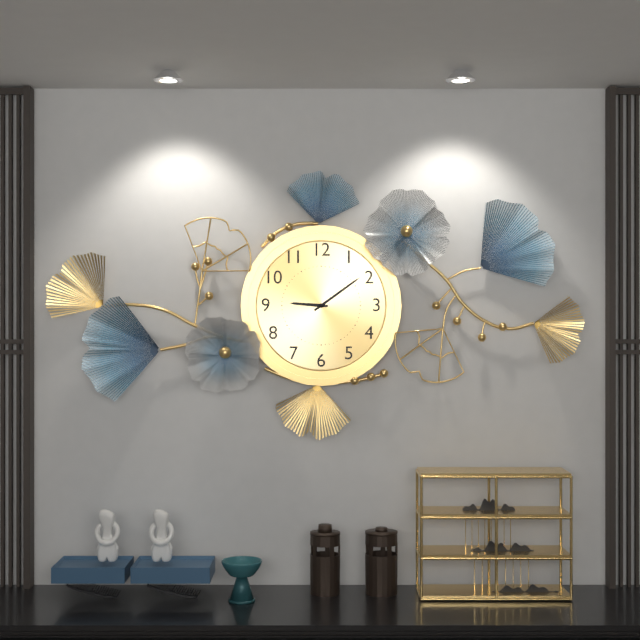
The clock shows 9h09
